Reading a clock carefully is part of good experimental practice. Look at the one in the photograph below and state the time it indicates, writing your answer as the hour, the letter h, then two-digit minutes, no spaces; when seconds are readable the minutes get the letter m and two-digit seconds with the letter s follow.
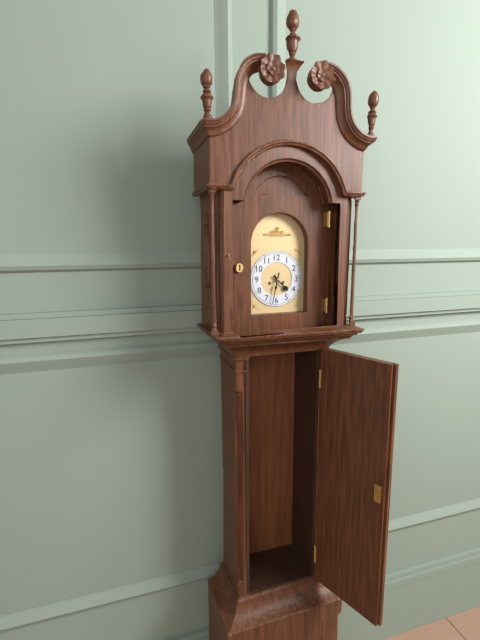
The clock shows 4h32
